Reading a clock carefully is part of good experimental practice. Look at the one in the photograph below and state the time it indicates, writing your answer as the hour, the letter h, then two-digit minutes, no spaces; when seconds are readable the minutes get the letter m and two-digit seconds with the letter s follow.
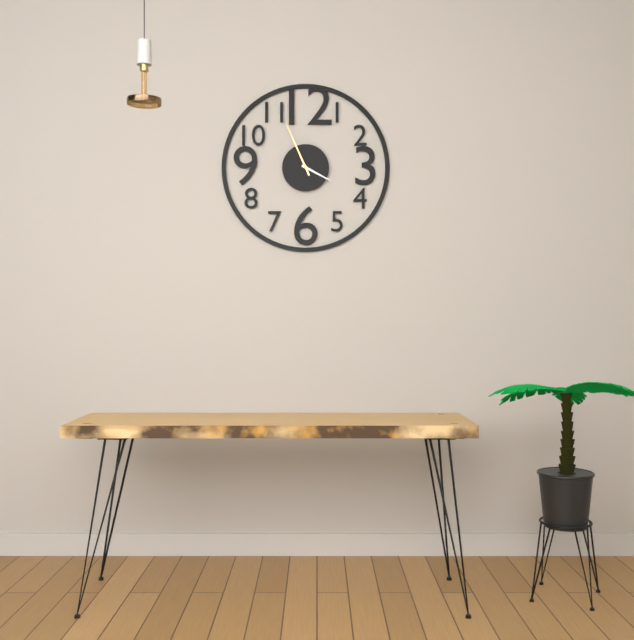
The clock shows 3h56
